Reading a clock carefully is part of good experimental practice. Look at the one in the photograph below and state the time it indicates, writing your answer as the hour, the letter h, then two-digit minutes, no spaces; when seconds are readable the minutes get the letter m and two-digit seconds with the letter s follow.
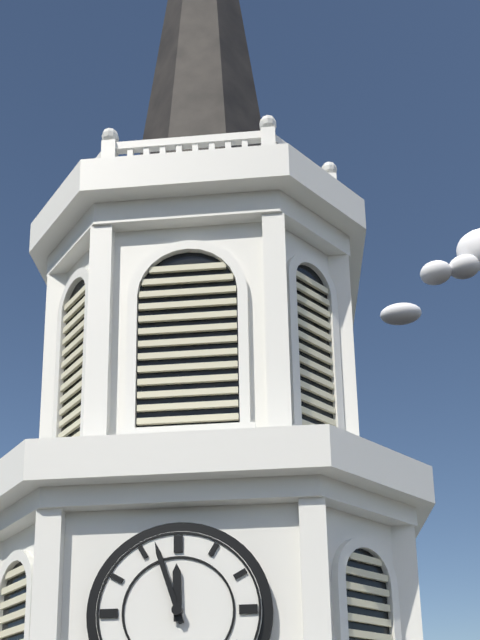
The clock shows 11h57
